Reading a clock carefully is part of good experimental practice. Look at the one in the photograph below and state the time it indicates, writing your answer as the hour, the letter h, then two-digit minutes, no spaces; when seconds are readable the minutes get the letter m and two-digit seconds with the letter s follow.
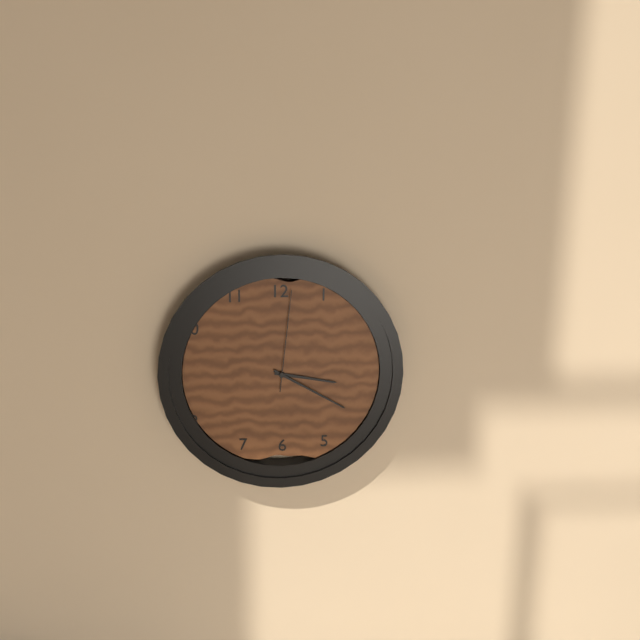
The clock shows 3h20m01s
